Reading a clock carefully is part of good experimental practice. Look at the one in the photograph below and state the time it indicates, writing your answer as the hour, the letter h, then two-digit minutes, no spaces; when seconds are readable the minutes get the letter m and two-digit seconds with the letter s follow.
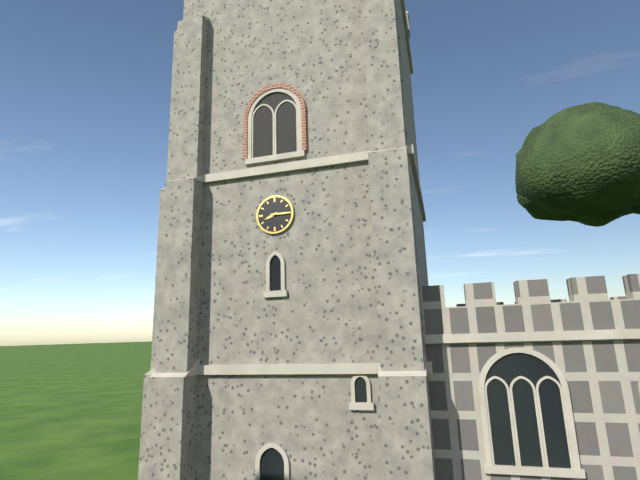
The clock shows 8h15
